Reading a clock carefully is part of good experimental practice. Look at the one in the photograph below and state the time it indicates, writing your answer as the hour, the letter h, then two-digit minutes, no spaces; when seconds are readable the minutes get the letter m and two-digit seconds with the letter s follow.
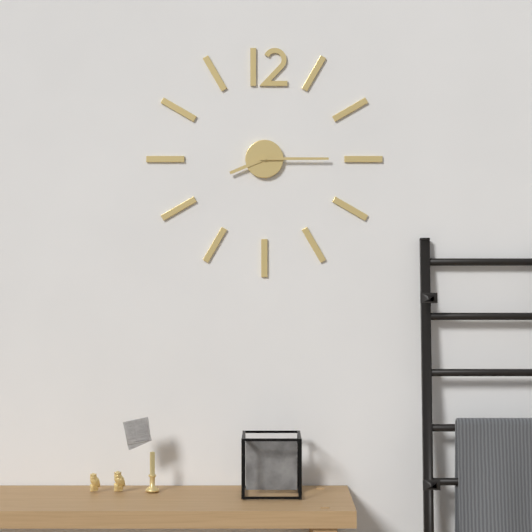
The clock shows 8h15
